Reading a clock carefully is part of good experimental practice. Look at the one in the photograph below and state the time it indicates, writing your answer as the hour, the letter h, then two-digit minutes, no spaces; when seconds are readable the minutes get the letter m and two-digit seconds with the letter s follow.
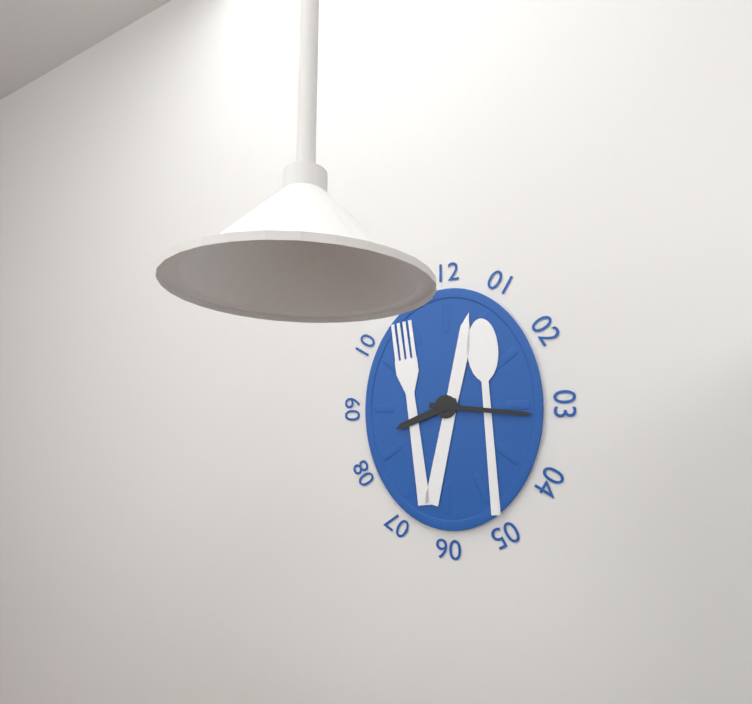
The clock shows 8h16
